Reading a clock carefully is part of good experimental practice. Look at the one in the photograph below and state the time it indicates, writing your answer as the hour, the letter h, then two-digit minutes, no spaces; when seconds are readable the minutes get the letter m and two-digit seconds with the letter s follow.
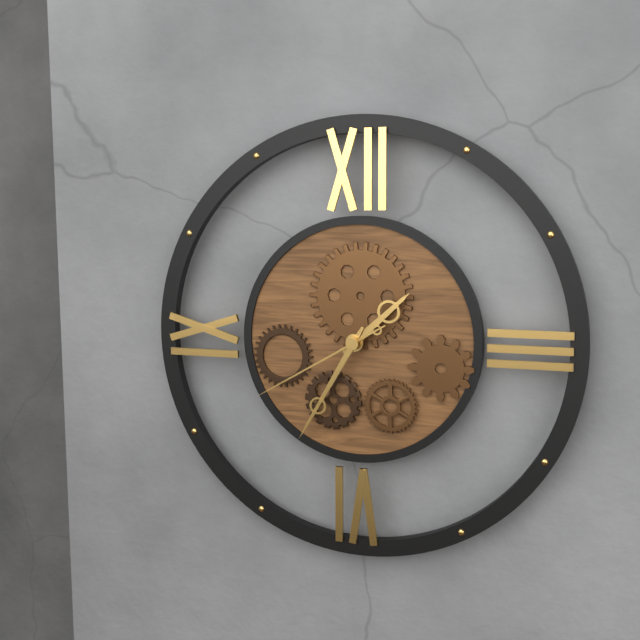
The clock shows 1h35m40s
